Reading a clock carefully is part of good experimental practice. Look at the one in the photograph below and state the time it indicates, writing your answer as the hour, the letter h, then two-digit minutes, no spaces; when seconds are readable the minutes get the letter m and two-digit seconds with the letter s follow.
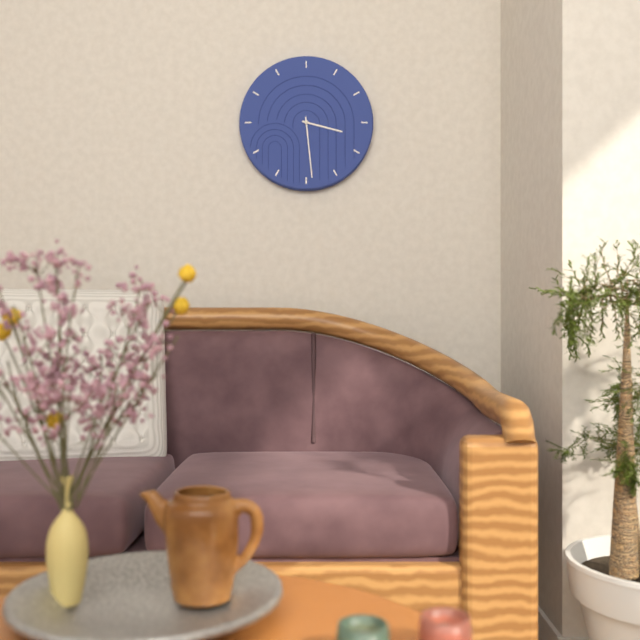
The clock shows 3h29
